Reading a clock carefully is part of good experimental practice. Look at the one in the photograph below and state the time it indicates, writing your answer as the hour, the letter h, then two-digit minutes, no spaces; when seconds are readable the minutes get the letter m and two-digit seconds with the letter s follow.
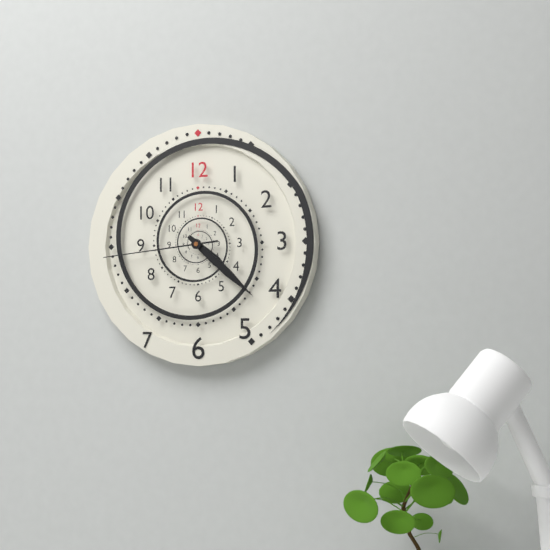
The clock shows 4h22m44s
